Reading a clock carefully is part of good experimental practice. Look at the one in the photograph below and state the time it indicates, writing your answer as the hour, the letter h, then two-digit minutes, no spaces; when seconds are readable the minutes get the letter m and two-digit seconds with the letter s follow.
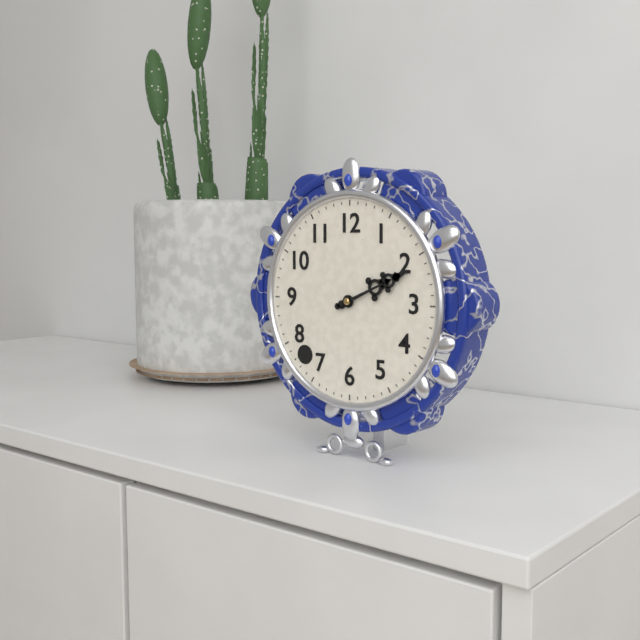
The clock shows 2h11
